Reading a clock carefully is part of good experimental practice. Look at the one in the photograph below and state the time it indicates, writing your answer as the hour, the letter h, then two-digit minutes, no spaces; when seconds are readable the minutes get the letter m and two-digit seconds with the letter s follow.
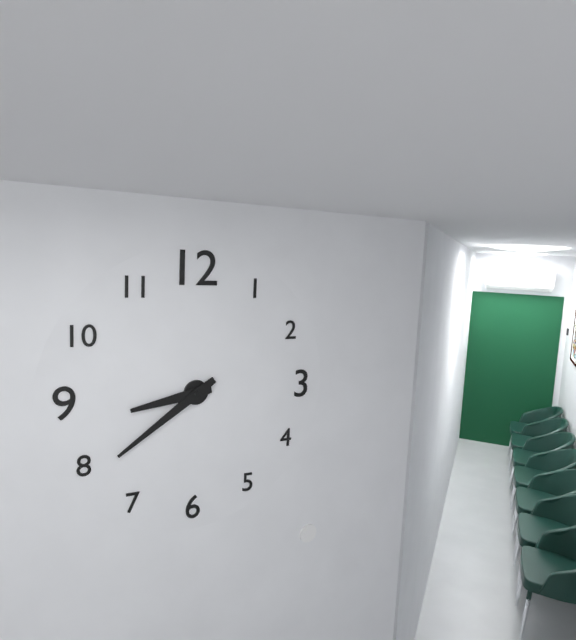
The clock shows 8h39
